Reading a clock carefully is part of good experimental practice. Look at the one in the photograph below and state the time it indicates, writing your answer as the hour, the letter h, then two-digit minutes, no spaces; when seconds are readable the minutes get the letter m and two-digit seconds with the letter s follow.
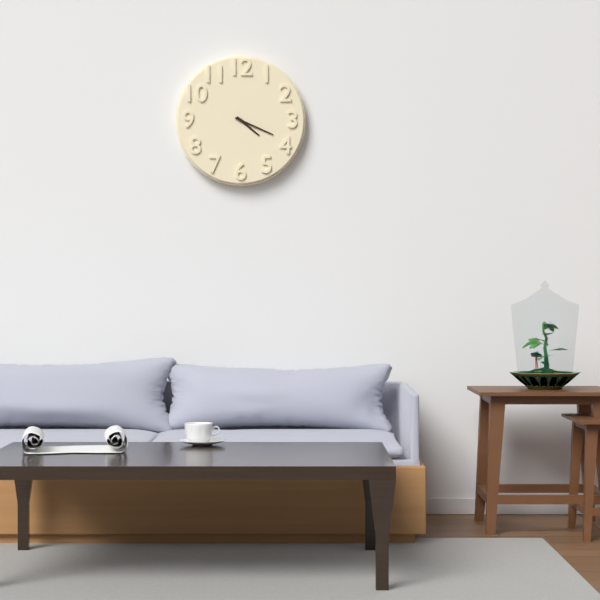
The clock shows 4h19
